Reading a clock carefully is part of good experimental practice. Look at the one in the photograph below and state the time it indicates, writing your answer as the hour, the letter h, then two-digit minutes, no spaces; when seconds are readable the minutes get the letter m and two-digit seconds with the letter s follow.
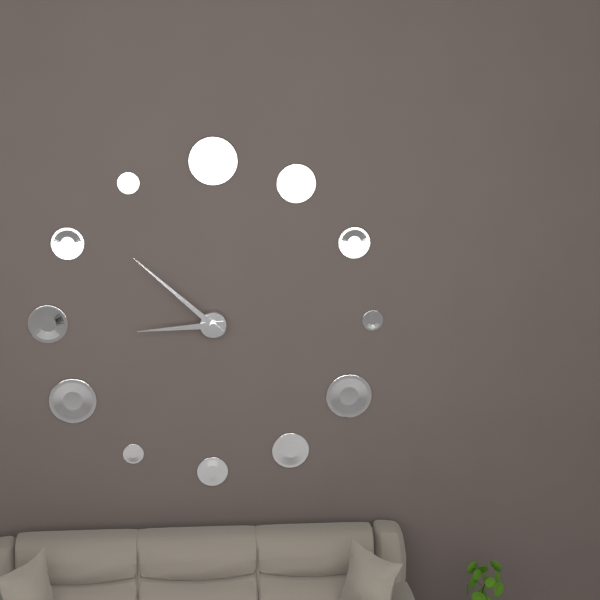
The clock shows 8h52
